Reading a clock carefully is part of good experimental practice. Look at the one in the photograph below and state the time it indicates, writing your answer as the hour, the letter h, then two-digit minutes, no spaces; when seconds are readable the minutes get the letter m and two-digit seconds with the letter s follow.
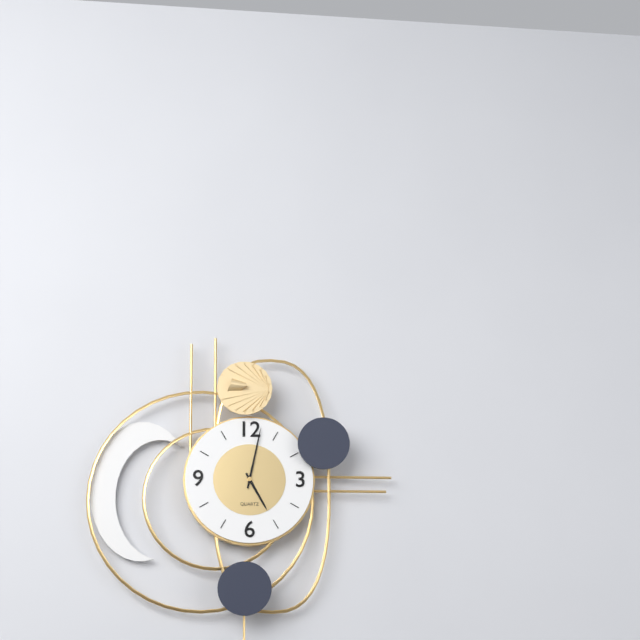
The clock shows 5h02
